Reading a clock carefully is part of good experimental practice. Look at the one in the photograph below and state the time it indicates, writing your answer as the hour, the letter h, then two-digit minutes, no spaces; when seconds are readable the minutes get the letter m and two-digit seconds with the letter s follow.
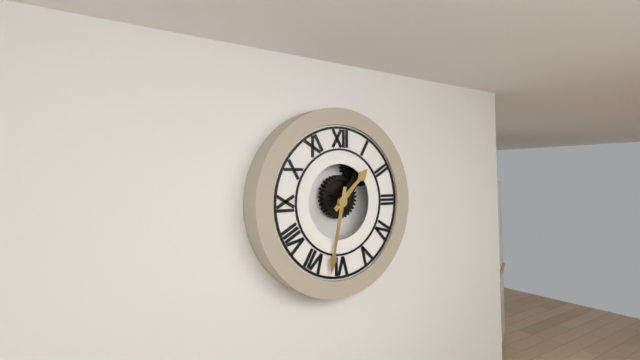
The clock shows 1h32
